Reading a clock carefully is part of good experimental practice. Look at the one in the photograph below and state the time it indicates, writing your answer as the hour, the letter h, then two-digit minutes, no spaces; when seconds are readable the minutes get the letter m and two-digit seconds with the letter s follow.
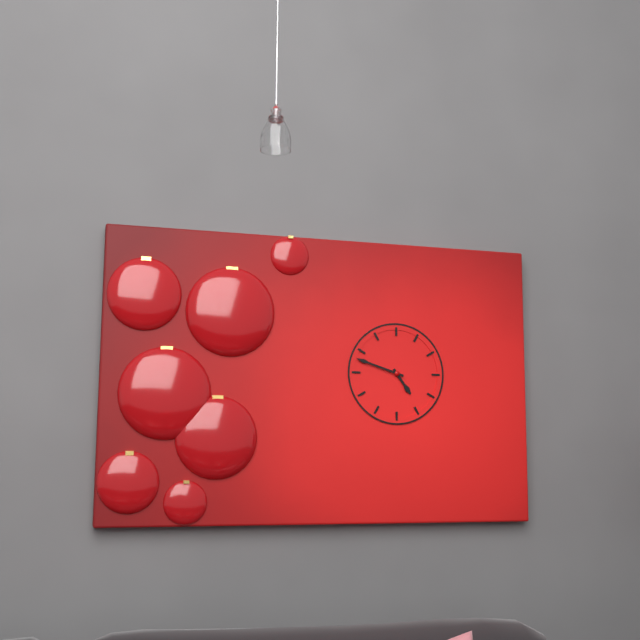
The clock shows 4h48
